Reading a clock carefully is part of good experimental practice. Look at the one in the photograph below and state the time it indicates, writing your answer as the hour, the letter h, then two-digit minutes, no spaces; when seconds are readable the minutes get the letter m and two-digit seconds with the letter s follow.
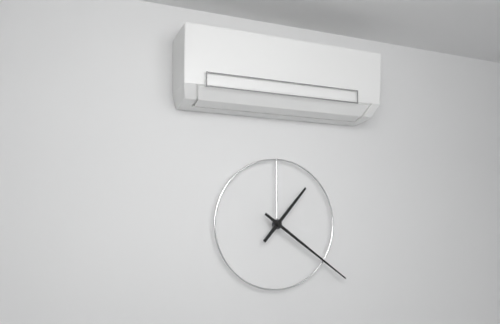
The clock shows 1h21
